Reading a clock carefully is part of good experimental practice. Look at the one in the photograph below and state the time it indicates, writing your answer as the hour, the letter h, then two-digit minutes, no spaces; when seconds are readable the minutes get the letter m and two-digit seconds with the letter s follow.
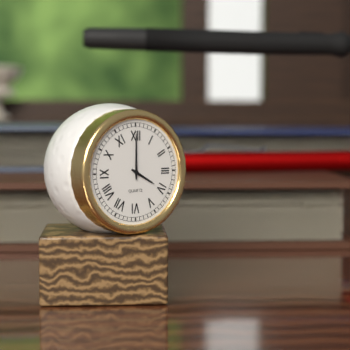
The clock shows 4h00
